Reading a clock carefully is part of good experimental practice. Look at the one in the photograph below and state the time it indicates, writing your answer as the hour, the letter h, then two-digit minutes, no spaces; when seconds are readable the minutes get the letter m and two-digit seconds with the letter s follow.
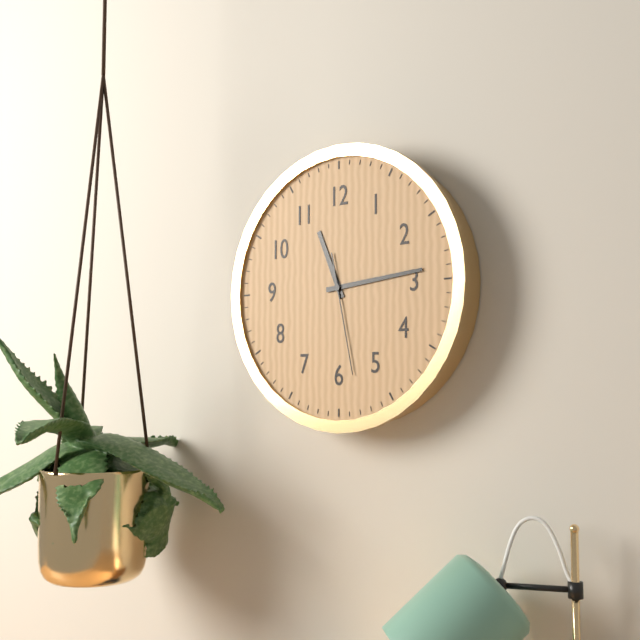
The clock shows 11h14m28s
